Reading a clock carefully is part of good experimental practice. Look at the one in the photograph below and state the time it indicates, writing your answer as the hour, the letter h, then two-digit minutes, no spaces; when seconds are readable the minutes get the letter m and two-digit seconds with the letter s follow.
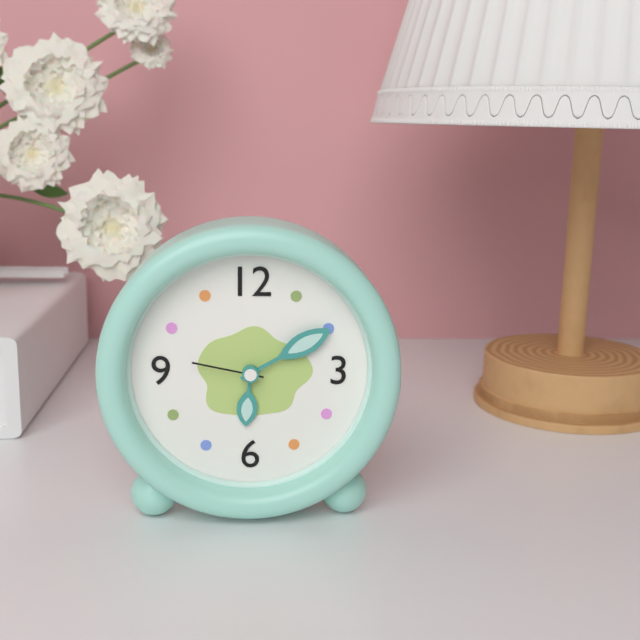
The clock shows 6h10m47s
